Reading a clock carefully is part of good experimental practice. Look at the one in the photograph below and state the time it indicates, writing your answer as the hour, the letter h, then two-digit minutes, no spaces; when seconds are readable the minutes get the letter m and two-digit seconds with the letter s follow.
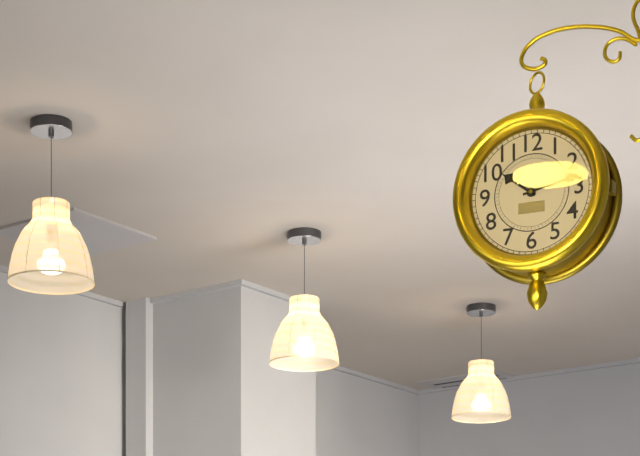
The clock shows 10h13
